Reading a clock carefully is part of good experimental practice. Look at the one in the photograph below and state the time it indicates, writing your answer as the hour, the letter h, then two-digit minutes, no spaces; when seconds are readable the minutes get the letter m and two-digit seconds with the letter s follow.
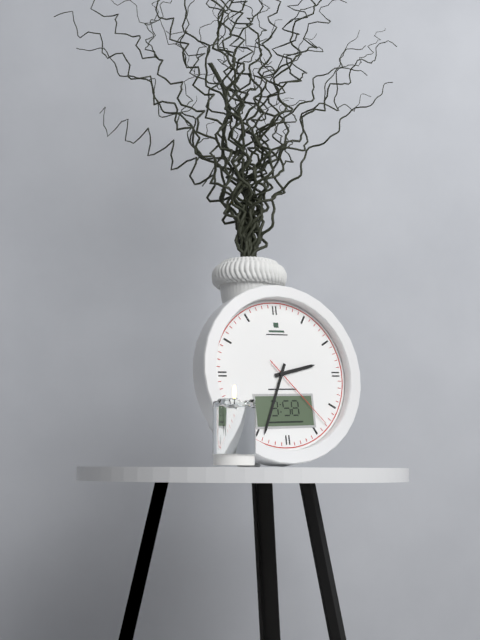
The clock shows 2h34m23s
